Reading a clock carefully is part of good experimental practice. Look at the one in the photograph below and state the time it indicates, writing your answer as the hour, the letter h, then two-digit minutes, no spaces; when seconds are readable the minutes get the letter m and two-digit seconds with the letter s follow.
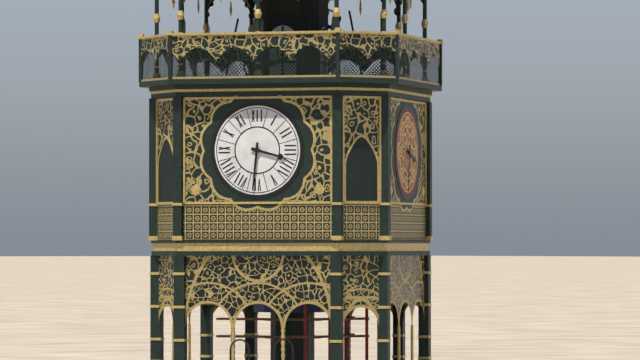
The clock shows 3h31
